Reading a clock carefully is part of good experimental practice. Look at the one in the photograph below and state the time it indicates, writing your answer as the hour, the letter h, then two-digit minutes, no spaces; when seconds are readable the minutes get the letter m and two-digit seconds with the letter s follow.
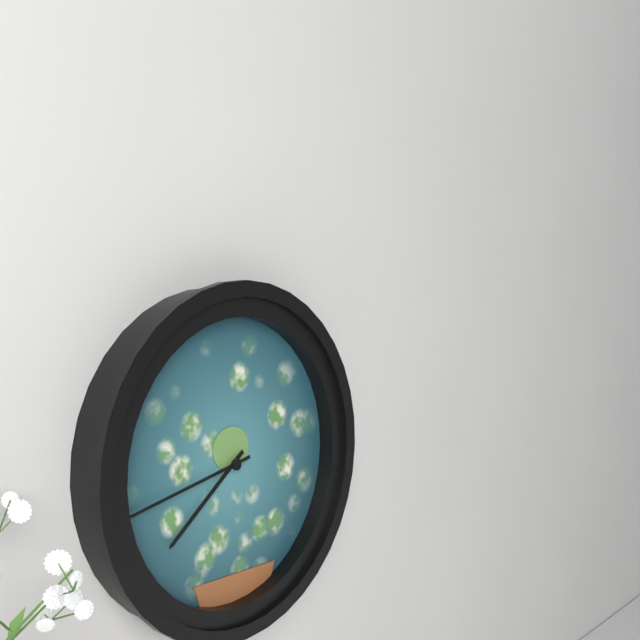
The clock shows 7h43
